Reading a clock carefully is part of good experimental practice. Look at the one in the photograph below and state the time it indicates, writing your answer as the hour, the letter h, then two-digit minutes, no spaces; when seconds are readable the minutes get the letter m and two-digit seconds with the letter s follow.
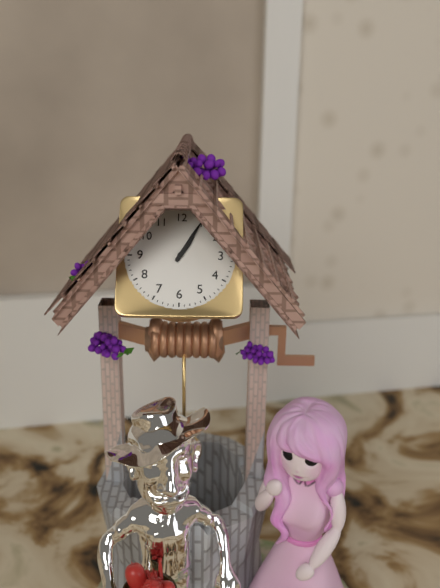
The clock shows 1h05
